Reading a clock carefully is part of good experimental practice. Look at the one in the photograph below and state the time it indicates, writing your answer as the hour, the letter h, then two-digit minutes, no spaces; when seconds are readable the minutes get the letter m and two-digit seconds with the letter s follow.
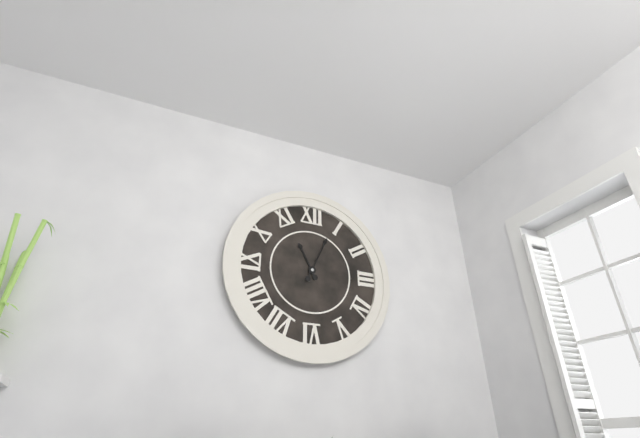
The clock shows 11h04
